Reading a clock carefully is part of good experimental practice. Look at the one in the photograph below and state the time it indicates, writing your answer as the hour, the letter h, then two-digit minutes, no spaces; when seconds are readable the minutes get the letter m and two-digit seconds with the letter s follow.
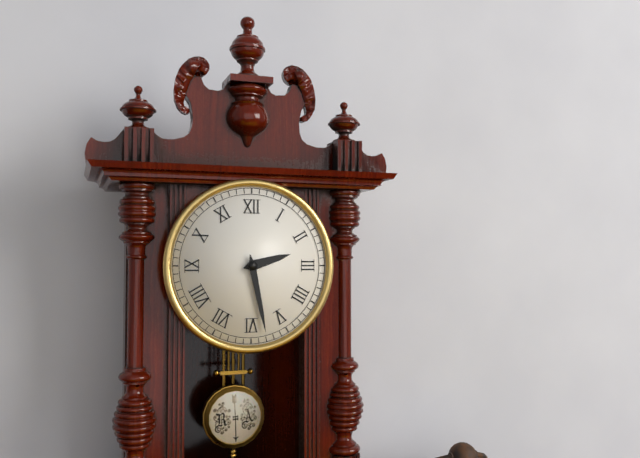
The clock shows 2h28
